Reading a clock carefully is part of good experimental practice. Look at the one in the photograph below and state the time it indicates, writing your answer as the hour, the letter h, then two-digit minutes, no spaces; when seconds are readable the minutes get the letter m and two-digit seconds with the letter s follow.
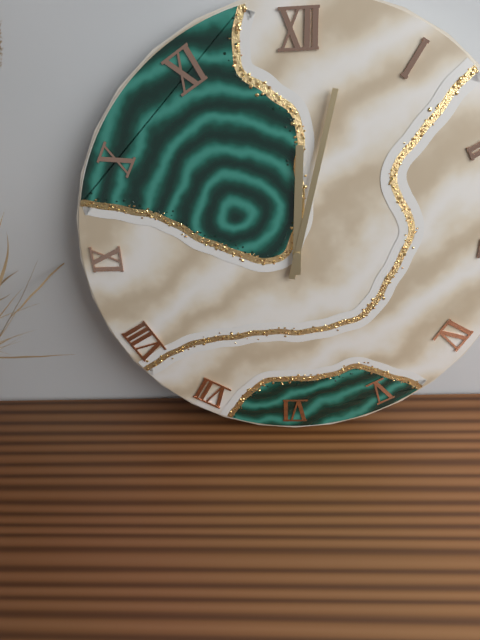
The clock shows 12h02
